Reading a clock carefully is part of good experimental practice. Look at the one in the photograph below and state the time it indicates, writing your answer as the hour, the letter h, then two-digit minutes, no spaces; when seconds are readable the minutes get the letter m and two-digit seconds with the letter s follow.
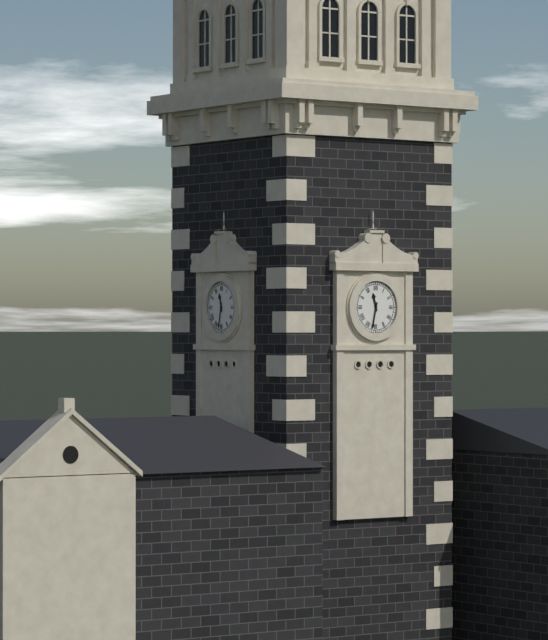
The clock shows 11h32
